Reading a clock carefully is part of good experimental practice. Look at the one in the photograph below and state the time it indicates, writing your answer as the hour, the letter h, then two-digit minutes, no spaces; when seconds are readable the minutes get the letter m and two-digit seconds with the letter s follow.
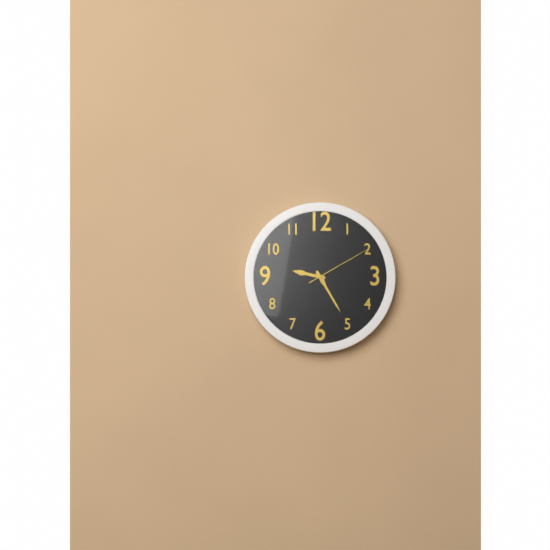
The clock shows 9h25m10s
